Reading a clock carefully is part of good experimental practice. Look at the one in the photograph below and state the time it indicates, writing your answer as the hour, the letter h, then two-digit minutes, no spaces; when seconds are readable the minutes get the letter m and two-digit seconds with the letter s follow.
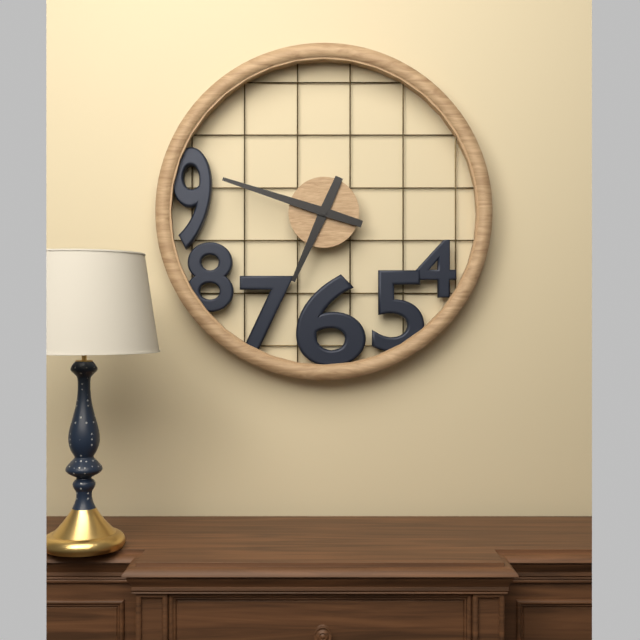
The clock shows 6h48
